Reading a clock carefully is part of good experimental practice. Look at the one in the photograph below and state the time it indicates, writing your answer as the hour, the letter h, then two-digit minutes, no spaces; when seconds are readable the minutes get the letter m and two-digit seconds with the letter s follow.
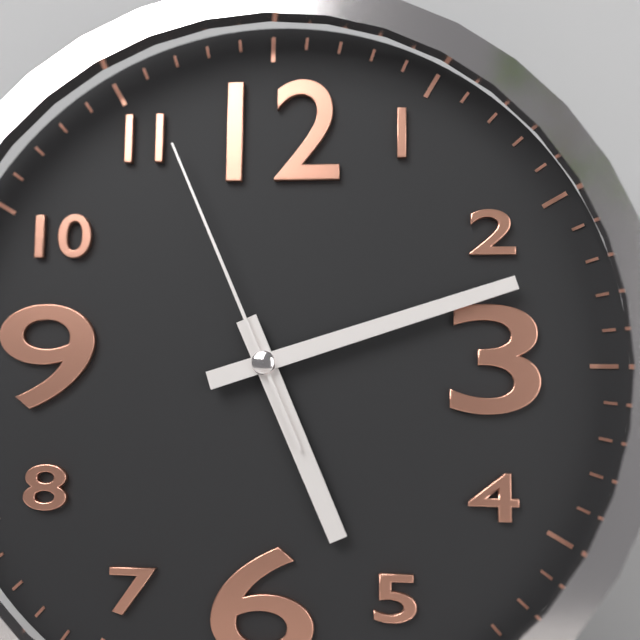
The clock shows 5h12m56s
